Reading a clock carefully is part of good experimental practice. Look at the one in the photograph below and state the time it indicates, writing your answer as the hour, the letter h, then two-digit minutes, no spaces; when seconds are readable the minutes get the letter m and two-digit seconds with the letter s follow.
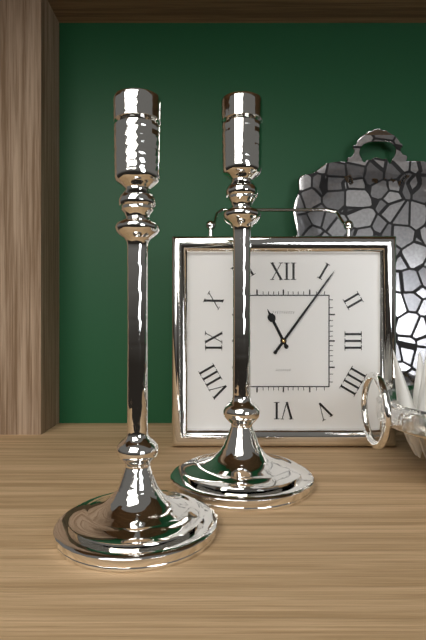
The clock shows 11h06
